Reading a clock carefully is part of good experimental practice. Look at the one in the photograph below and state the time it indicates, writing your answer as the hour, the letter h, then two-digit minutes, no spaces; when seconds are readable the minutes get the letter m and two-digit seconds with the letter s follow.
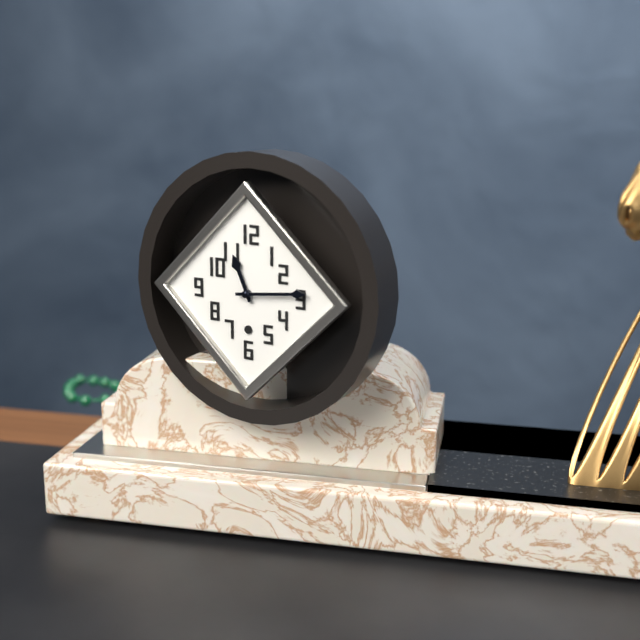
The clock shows 11h14
